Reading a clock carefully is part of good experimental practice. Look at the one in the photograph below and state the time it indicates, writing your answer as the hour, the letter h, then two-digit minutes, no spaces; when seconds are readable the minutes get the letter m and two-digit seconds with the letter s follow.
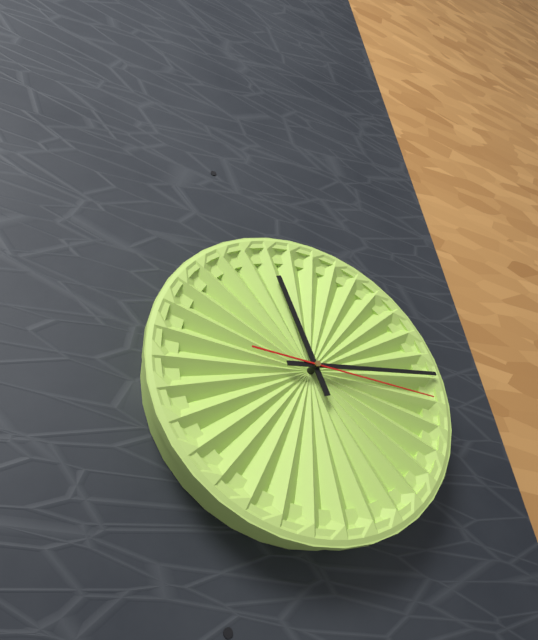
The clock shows 11h13m15s
